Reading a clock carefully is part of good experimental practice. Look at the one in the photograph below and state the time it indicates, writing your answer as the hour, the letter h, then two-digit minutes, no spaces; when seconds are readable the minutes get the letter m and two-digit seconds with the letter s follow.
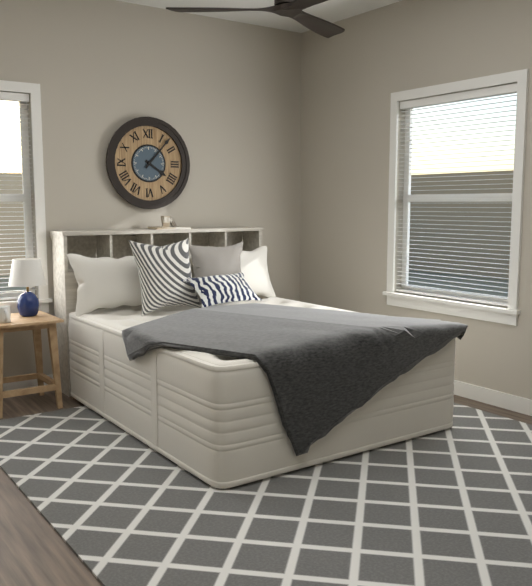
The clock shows 4h07
